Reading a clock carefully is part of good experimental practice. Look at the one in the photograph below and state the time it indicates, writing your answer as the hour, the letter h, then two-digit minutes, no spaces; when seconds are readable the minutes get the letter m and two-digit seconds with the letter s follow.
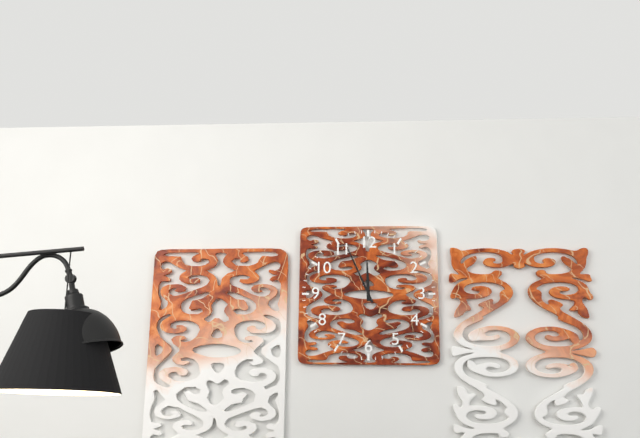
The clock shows 11h56
